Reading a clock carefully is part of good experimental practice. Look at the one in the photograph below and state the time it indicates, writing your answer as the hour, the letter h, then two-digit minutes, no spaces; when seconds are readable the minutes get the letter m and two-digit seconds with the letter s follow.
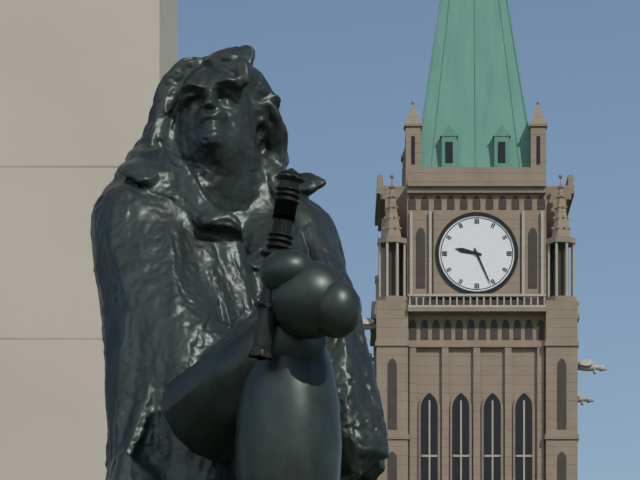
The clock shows 9h26
